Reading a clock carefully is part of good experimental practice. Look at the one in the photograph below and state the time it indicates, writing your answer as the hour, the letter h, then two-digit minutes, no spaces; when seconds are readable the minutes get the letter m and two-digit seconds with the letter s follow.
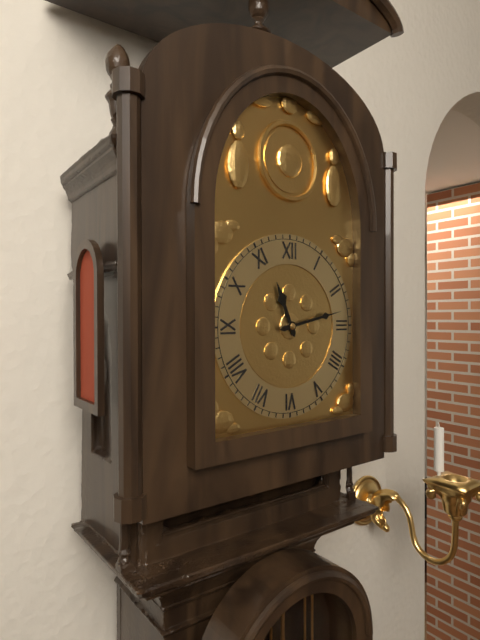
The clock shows 11h13
